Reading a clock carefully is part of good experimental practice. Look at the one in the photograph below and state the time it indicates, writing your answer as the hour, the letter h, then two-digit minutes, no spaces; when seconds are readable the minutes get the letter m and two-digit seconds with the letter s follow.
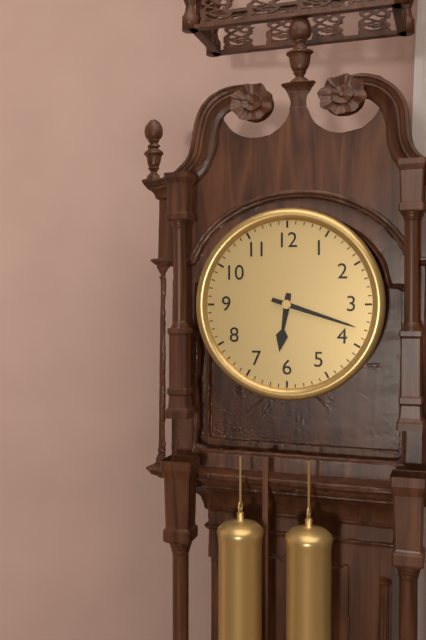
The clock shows 6h18
